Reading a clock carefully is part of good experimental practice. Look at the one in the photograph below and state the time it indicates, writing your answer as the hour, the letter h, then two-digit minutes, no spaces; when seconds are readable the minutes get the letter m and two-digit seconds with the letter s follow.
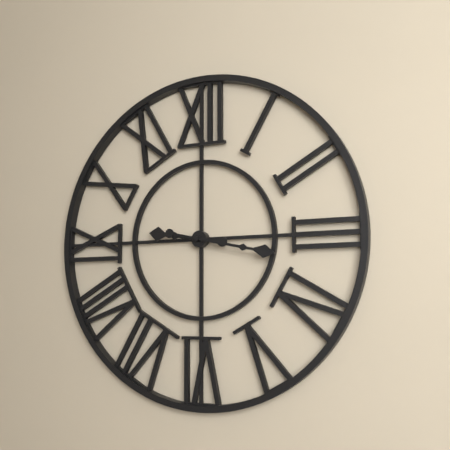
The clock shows 9h17
